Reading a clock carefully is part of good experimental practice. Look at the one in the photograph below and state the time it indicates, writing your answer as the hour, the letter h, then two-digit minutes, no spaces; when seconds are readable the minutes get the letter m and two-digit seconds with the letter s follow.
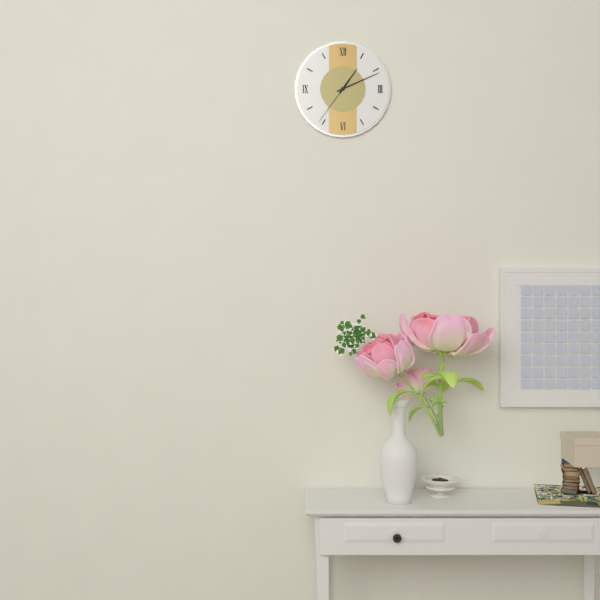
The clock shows 1h11m36s
